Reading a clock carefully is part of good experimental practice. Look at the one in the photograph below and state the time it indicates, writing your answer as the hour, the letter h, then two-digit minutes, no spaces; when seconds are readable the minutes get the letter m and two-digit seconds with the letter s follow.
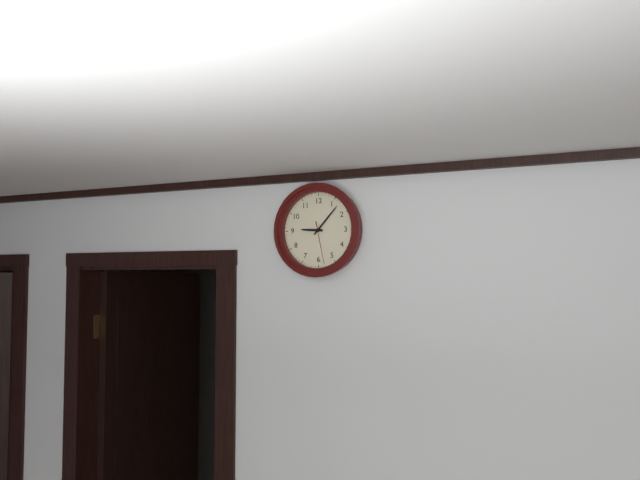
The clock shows 9h07
